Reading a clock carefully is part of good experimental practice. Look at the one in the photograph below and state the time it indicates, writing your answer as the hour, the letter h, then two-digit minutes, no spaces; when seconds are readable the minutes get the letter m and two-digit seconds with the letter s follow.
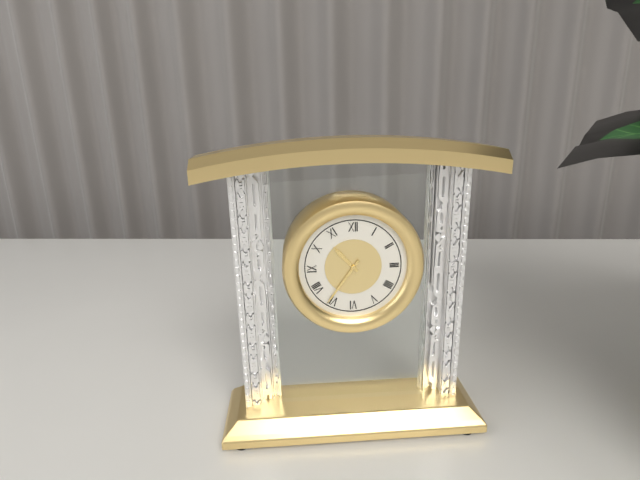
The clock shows 10h36
